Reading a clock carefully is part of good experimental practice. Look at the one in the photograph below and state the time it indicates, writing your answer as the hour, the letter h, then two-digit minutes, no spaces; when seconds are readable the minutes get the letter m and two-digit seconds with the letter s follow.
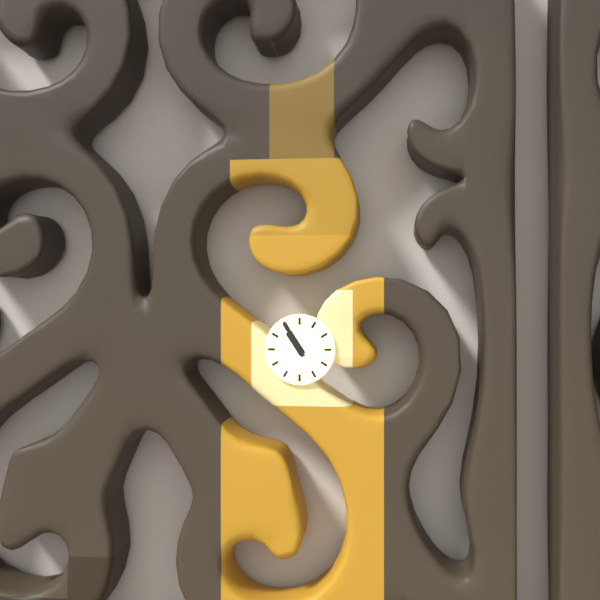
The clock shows 10h55
